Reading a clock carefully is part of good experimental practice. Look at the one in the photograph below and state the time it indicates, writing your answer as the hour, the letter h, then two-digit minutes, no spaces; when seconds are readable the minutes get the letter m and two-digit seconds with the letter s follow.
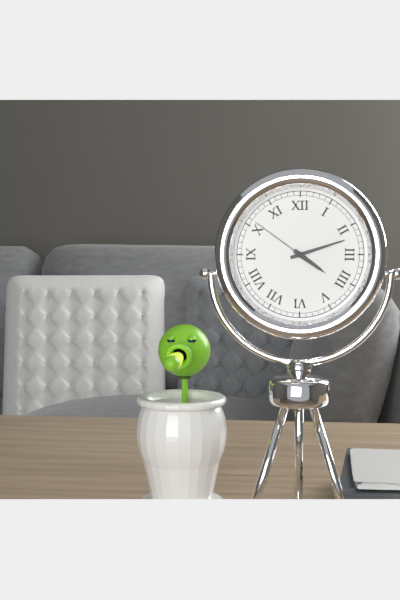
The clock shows 4h12m51s
